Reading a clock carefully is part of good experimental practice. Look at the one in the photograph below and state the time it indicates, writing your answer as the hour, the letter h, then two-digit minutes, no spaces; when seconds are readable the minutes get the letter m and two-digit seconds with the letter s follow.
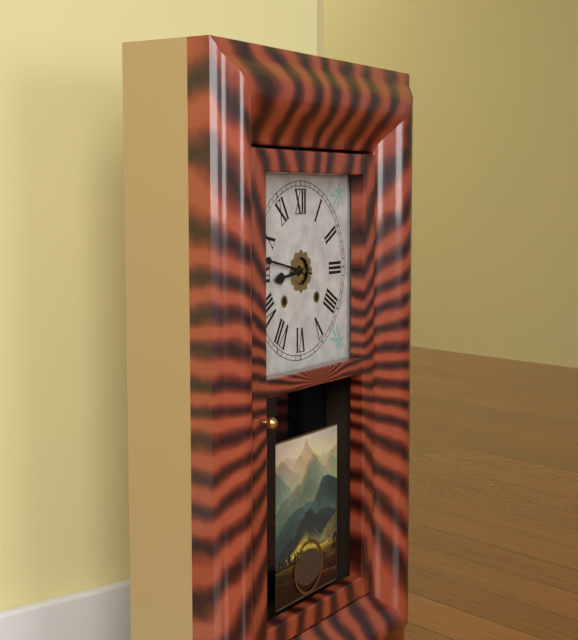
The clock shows 8h47
